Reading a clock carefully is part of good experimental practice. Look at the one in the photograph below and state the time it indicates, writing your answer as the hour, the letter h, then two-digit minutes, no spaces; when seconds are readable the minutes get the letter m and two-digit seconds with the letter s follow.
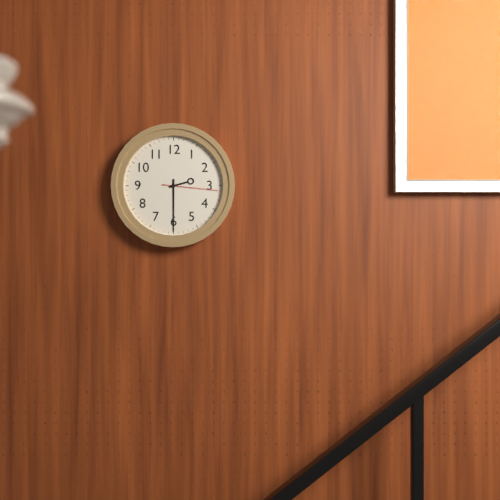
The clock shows 2h30m16s
